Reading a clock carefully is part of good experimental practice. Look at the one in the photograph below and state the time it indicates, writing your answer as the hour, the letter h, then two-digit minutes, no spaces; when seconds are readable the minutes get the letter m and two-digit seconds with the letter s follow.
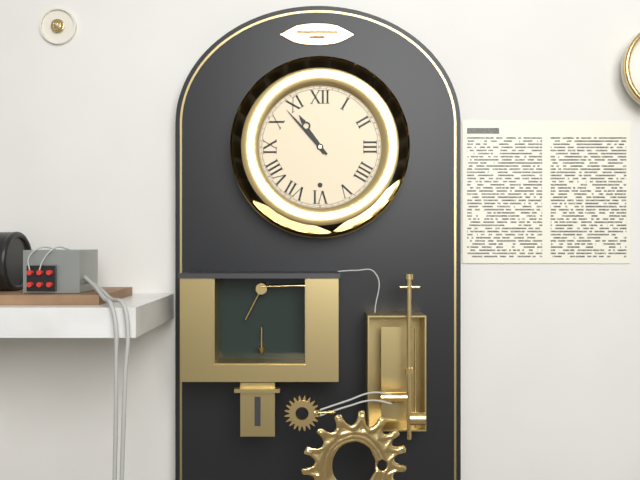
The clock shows 10h53
